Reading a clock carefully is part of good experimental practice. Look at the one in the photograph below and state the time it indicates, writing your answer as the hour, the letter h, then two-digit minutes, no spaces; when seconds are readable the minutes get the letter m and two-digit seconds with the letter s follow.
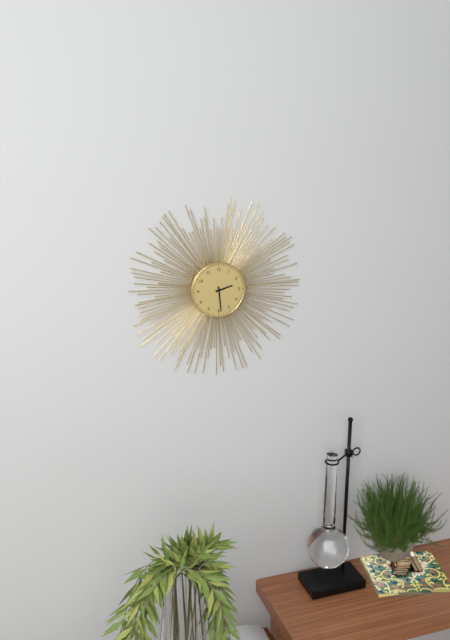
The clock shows 2h29
